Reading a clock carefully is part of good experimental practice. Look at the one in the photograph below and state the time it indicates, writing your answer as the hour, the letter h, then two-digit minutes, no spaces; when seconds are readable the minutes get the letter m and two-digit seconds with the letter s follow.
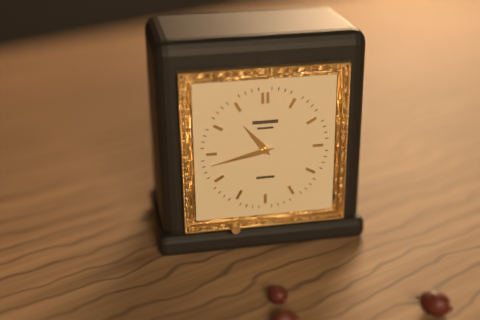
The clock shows 10h43
